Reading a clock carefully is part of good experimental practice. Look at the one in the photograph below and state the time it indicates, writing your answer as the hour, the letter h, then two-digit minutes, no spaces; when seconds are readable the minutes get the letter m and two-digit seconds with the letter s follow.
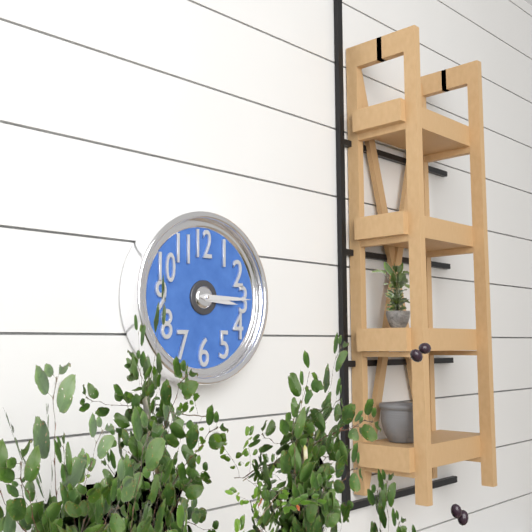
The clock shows 3h15
